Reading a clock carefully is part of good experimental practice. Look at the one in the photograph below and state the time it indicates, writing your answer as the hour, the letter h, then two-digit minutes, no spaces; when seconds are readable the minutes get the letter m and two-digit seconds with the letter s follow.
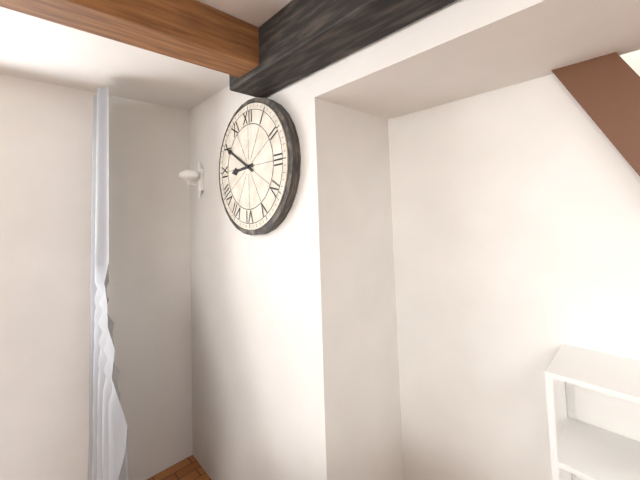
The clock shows 8h50
